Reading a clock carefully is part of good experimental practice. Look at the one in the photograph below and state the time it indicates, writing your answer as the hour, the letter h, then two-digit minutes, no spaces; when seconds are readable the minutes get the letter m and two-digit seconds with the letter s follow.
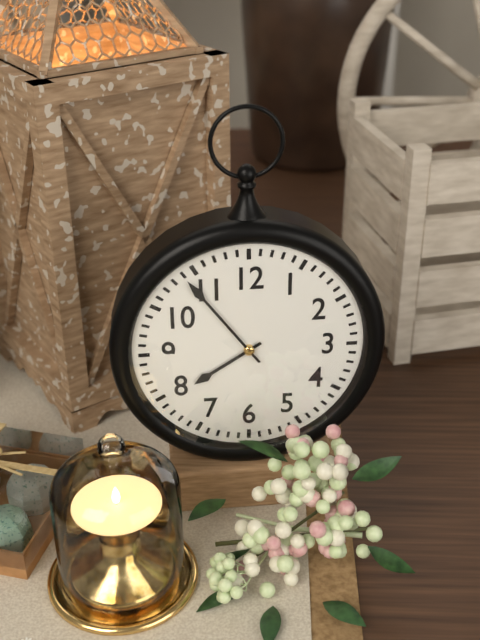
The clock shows 7h54
